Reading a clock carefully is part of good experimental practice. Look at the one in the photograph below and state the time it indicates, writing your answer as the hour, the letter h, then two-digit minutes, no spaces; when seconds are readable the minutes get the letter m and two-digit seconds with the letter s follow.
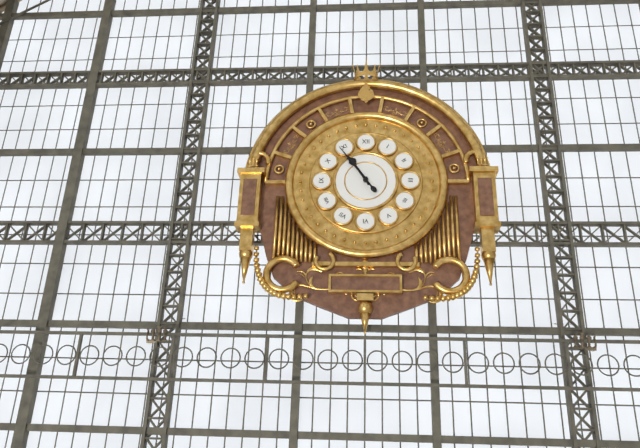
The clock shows 10h54
